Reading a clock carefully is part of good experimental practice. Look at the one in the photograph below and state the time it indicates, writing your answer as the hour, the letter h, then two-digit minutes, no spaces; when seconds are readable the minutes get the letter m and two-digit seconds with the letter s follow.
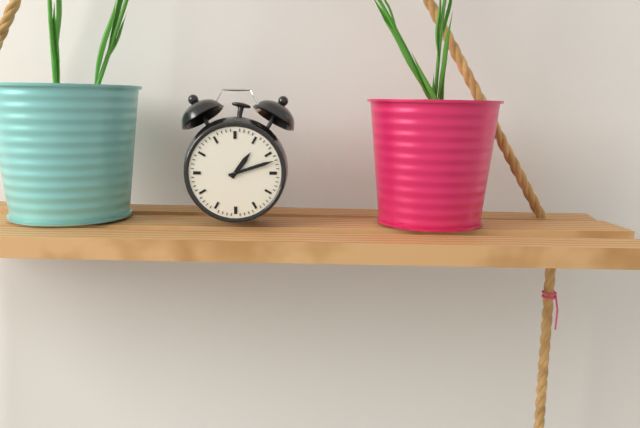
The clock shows 1h12
